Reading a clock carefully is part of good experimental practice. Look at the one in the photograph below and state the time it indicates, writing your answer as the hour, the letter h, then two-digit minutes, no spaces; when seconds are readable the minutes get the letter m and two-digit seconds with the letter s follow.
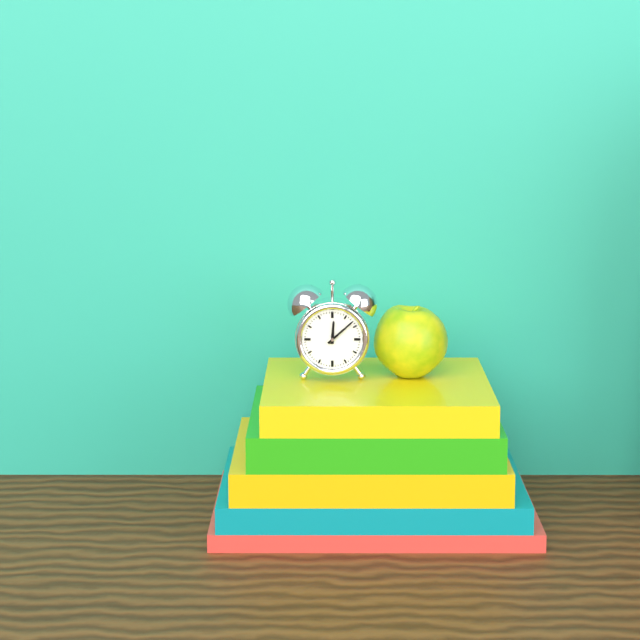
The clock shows 12h08
